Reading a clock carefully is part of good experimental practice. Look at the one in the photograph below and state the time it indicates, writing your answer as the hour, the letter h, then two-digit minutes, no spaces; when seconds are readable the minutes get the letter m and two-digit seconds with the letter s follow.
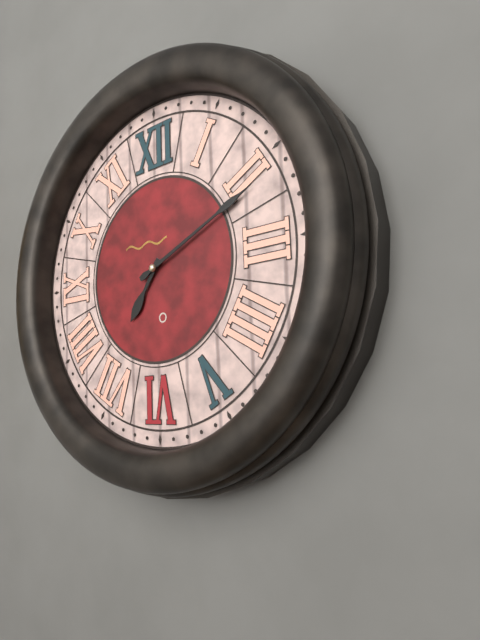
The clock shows 7h11
